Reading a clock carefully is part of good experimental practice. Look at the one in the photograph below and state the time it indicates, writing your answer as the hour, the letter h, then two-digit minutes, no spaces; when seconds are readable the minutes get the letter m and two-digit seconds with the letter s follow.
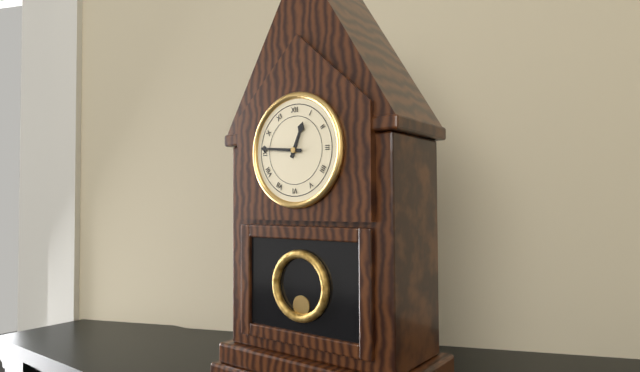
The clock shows 12h46
